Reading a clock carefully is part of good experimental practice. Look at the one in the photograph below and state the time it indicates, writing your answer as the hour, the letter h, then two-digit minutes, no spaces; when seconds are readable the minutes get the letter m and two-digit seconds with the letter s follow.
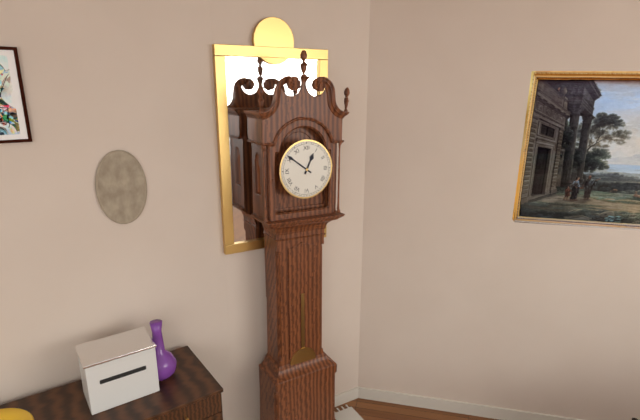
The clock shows 12h51
